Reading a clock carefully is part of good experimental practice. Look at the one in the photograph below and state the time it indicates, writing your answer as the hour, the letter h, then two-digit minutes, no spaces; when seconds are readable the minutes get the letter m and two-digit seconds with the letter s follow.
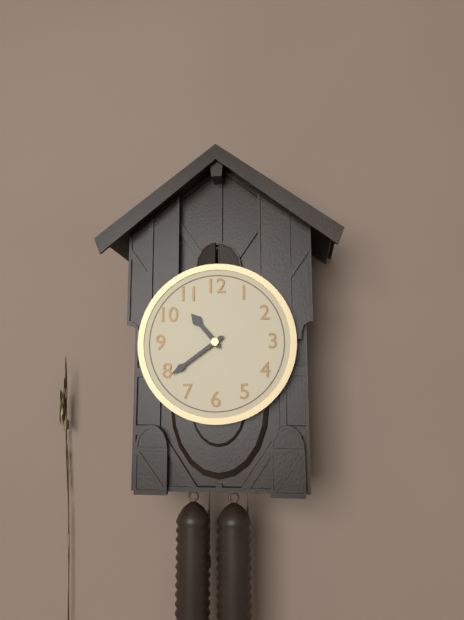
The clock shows 10h39
